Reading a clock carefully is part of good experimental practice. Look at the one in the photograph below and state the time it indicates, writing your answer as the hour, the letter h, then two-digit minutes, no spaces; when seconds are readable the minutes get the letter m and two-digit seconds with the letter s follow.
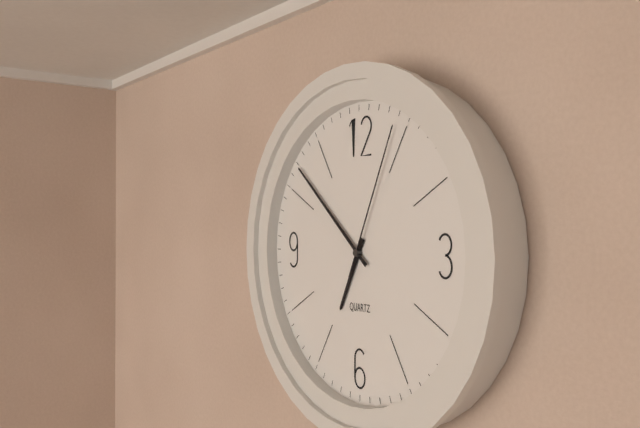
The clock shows 6h52m04s
